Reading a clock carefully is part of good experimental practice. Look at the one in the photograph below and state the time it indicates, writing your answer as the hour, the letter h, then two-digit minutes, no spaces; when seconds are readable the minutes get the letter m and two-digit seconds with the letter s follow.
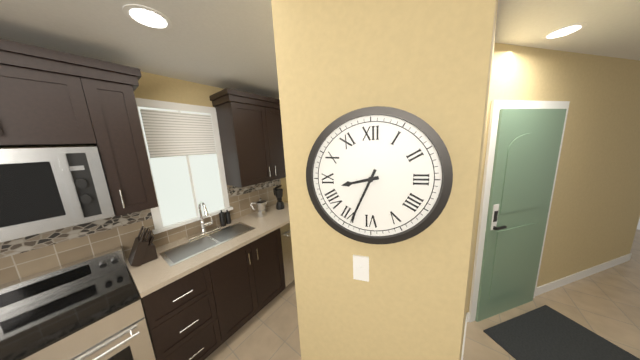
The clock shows 8h34
